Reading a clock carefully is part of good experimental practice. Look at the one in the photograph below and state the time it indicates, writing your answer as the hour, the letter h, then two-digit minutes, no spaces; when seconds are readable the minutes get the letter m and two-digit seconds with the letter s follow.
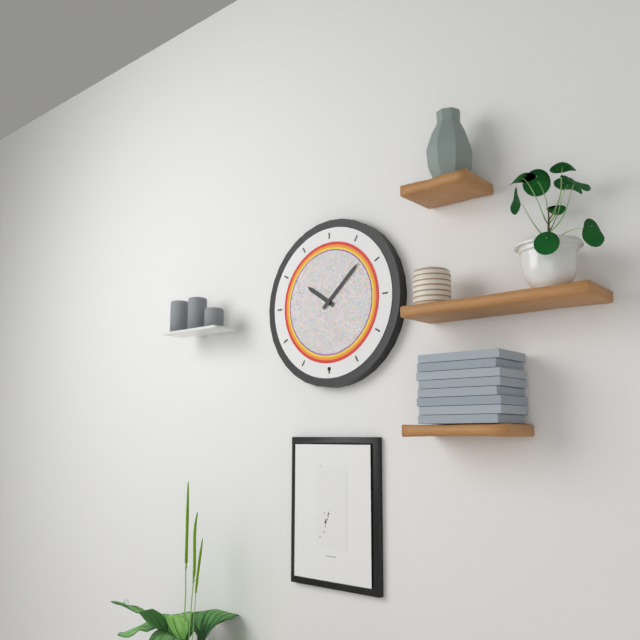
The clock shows 10h08
